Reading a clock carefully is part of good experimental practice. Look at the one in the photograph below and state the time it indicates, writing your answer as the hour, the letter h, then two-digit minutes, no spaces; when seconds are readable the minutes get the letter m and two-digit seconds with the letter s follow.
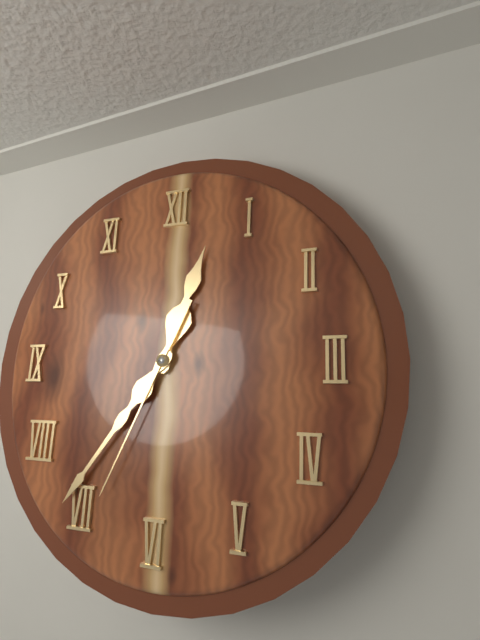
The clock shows 12h36m34s
